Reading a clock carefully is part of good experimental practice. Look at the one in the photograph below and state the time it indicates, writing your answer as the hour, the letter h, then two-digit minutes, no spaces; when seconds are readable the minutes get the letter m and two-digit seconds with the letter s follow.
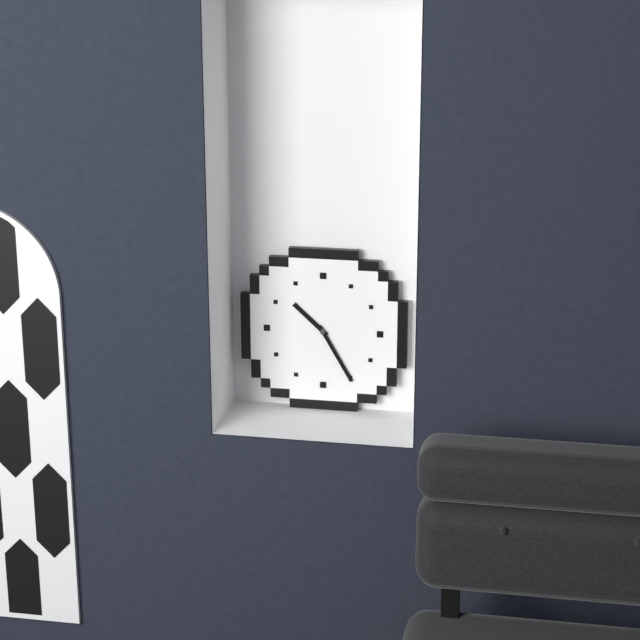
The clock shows 10h25
